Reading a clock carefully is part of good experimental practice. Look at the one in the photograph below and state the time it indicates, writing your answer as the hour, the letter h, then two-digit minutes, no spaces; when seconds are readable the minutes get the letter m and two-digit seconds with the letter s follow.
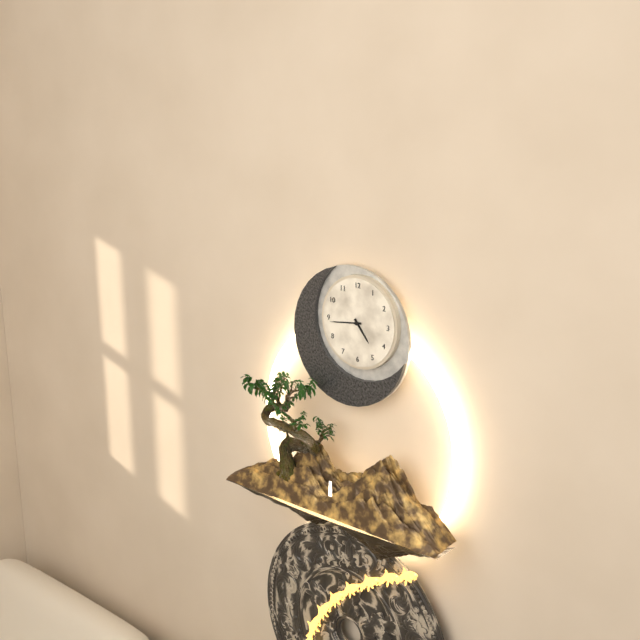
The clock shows 4h44
